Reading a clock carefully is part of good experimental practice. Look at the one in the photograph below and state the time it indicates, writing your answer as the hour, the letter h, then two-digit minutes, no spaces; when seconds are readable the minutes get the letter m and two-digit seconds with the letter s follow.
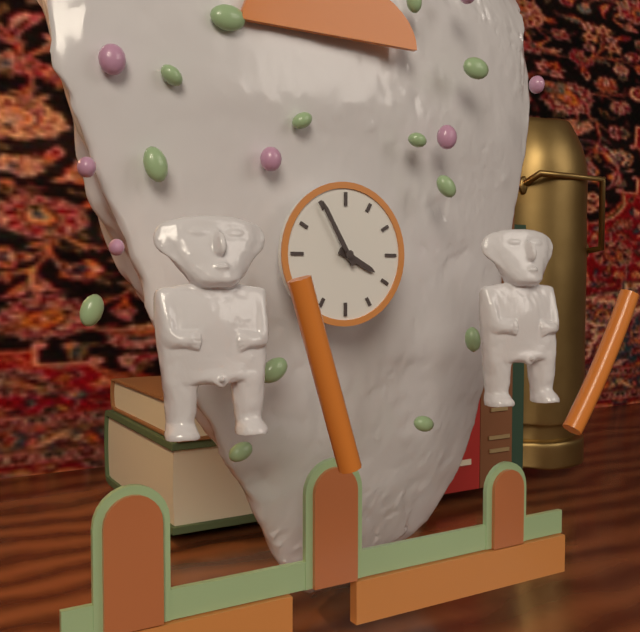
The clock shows 3h55
